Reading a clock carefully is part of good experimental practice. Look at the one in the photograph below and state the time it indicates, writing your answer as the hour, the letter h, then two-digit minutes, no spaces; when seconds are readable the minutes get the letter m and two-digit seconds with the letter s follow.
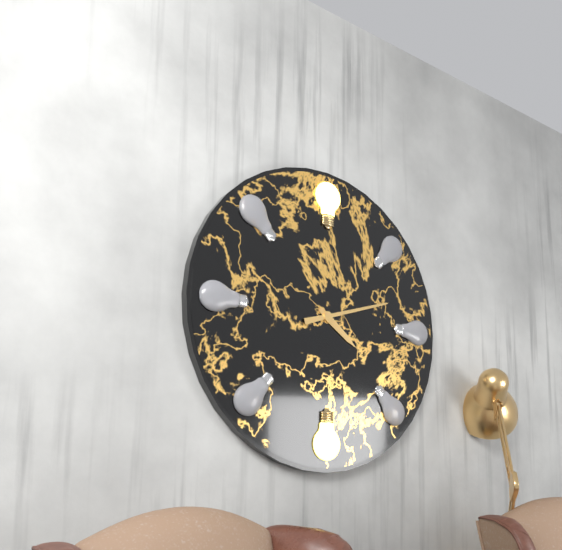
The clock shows 4h12
